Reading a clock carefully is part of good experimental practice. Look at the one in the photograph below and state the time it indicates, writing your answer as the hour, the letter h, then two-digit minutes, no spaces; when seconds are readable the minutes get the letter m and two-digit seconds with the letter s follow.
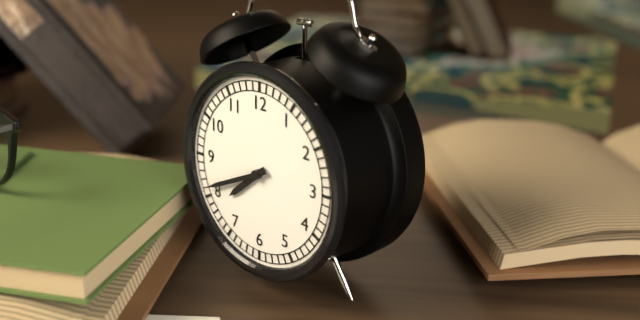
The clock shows 7h41
